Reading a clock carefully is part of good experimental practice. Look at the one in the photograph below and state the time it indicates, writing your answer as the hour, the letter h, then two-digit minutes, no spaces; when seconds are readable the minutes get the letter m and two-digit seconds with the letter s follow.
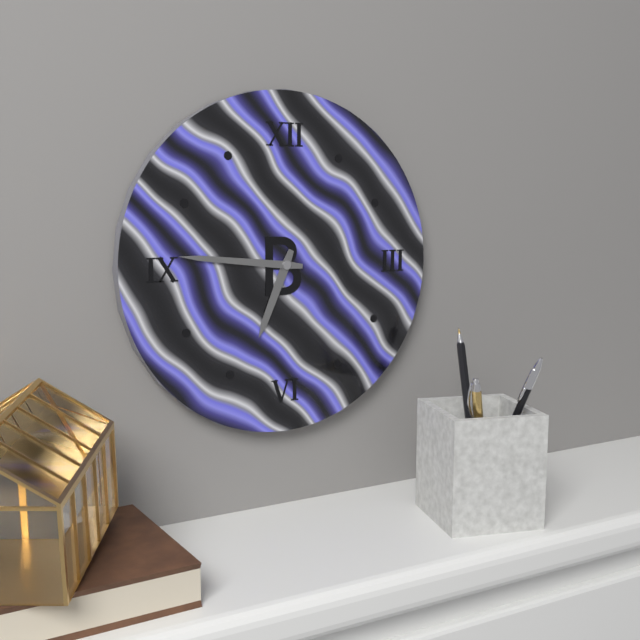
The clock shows 6h46
